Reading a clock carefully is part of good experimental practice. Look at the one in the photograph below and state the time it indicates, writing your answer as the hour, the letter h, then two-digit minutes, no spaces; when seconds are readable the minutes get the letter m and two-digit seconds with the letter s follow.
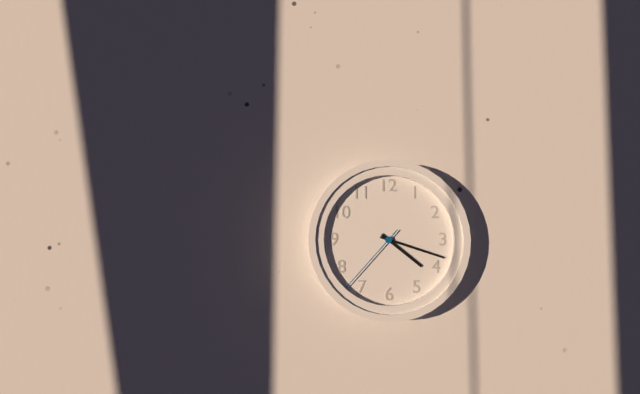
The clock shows 4h18m37s
